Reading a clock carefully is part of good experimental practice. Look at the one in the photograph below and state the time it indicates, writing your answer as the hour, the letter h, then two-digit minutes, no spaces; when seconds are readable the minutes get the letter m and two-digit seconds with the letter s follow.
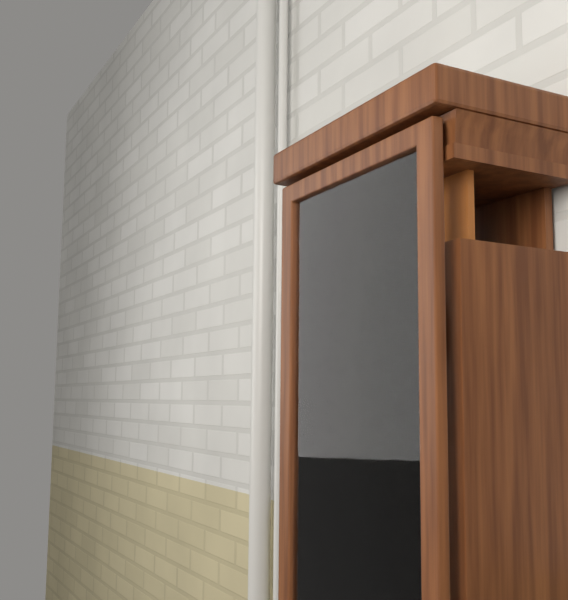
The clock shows 5h29
